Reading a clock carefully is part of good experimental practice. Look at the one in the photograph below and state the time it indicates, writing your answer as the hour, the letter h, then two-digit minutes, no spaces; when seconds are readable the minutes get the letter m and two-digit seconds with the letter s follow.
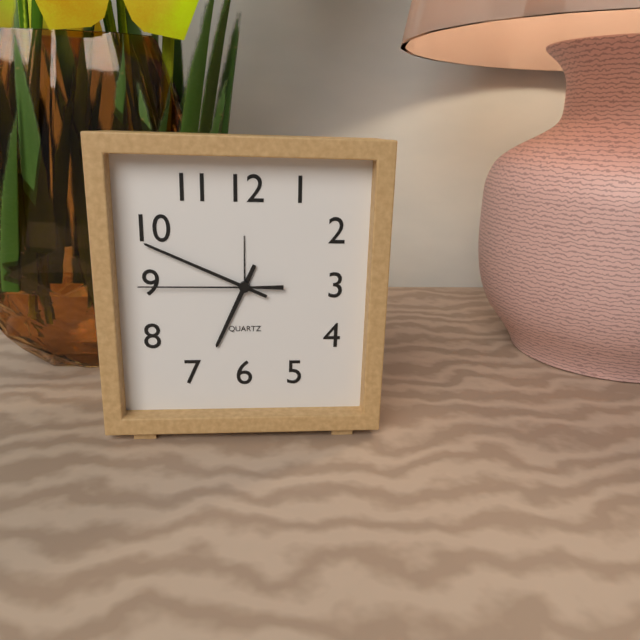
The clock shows 6h49m45s
